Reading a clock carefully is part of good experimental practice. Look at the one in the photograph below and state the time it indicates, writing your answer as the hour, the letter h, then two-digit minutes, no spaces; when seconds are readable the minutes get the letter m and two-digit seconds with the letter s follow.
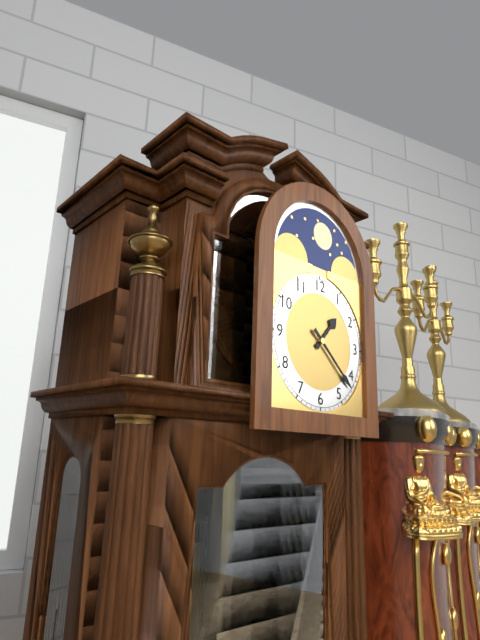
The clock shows 1h22
